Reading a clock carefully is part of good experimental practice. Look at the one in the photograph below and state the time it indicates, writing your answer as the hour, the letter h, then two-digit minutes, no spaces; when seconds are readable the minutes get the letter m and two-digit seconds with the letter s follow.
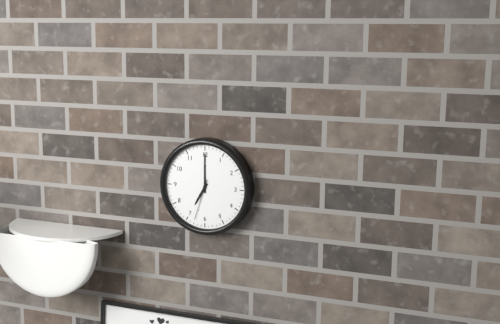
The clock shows 7h00
